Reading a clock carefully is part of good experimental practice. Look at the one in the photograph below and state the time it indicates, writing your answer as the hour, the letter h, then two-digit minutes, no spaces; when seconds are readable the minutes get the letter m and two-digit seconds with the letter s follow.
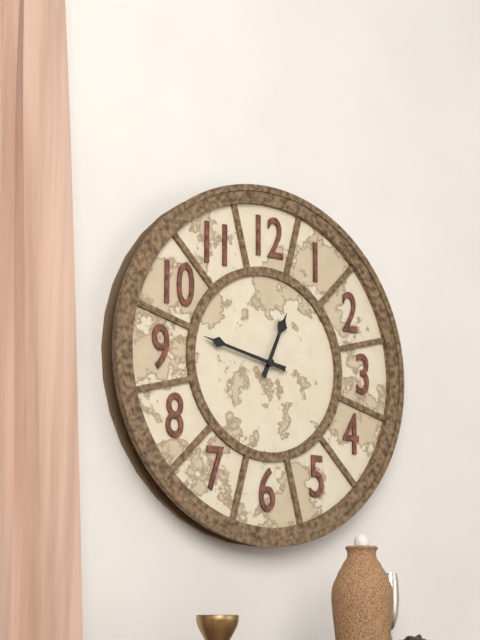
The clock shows 12h47
